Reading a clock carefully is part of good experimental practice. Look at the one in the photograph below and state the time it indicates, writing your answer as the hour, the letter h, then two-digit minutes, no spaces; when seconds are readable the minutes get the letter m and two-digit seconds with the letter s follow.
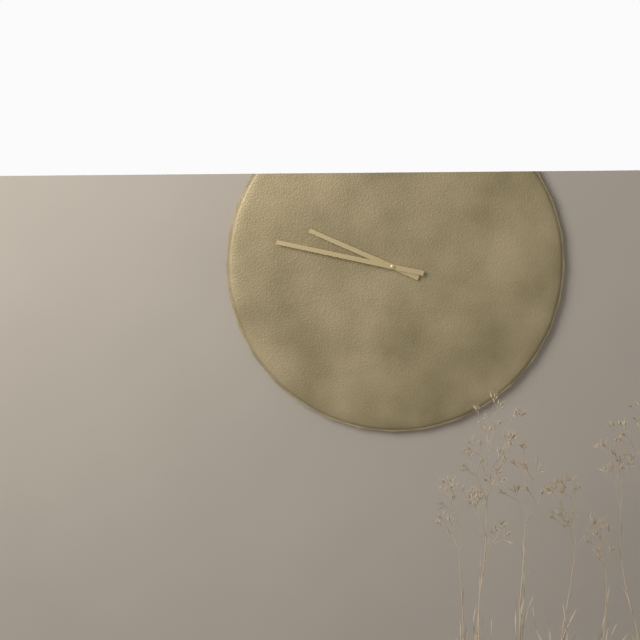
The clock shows 9h47
